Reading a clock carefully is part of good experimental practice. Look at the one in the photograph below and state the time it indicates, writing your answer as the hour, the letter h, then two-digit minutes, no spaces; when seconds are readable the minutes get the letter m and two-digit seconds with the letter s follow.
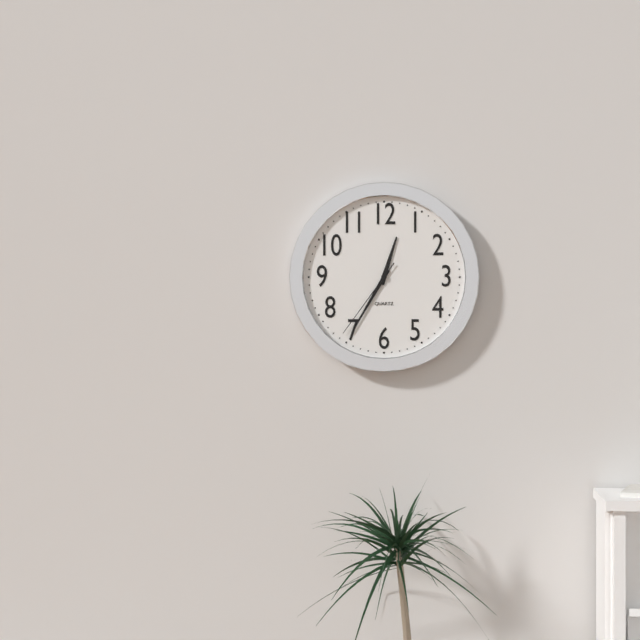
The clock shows 12h35m36s
